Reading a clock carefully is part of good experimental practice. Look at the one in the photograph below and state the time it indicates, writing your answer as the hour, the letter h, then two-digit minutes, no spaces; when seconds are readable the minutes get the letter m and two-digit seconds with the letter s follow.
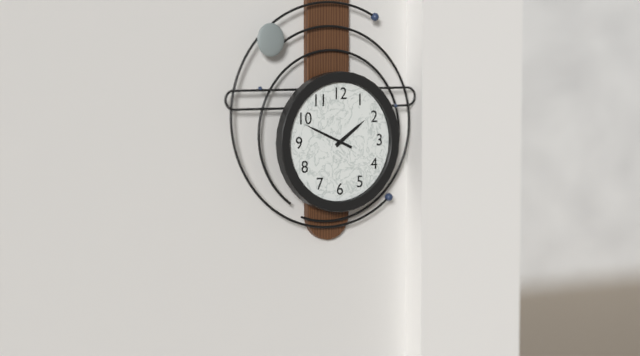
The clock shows 1h49
